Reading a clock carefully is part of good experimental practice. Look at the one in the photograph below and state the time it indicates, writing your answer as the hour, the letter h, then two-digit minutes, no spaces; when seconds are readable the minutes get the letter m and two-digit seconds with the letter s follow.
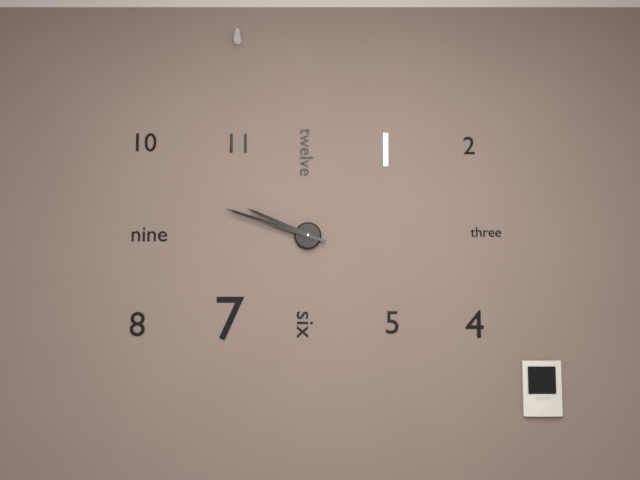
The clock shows 9h48
